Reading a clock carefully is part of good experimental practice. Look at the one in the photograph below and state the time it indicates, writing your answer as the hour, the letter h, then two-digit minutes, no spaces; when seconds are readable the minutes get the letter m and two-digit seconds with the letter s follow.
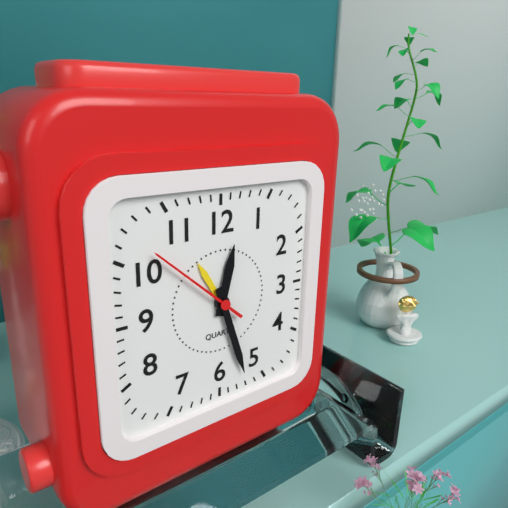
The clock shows 12h27m52s
